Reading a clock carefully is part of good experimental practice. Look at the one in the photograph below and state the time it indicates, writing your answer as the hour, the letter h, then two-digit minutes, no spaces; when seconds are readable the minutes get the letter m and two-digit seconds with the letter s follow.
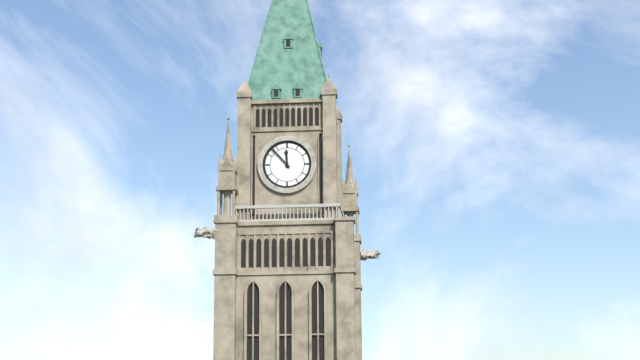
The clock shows 11h53
